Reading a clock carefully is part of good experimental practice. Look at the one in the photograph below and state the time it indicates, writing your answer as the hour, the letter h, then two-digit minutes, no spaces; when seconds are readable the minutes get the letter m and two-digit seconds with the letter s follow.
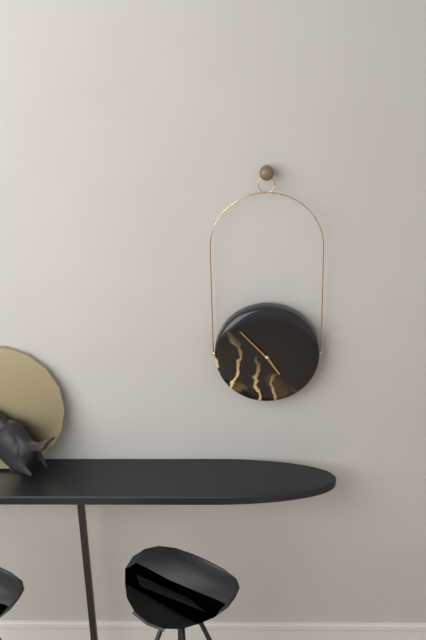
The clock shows 4h53
